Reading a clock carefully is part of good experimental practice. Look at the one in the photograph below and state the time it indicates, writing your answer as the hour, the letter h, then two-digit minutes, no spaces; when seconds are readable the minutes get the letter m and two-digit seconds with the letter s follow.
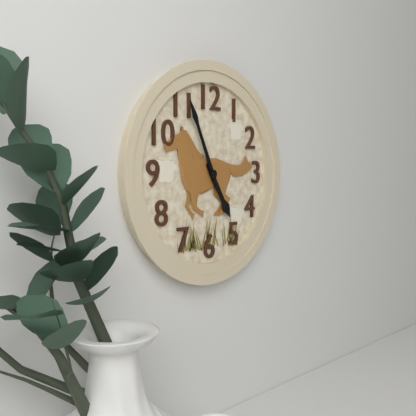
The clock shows 4h56
